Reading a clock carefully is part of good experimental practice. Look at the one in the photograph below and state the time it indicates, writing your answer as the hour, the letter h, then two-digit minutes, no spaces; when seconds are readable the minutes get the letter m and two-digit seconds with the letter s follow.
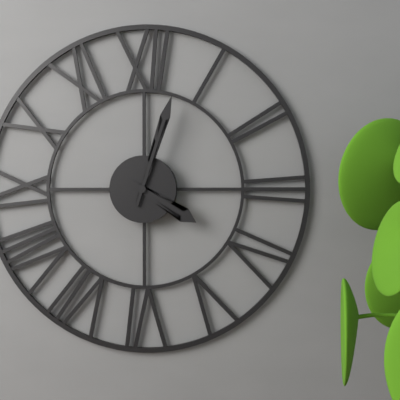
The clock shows 4h03
